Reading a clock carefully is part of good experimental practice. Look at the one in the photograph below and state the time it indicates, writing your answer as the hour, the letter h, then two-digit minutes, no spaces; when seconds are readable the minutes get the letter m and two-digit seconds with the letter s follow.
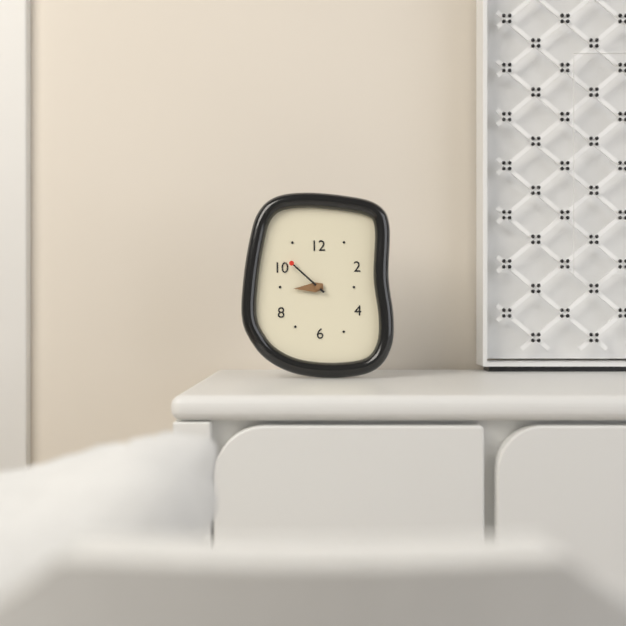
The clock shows 8h52
